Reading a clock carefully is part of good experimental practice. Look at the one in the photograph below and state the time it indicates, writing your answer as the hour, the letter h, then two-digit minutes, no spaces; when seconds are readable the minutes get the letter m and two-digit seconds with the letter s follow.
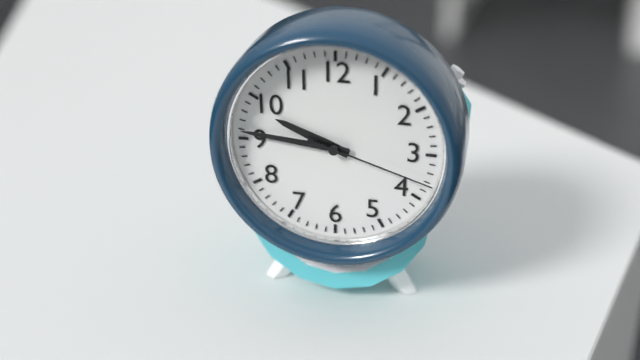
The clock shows 9h46m18s
